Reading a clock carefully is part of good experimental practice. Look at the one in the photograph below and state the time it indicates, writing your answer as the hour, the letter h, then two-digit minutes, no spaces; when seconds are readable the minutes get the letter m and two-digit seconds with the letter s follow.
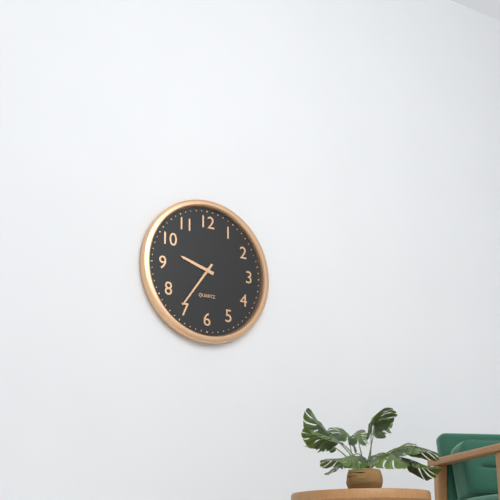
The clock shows 9h36
